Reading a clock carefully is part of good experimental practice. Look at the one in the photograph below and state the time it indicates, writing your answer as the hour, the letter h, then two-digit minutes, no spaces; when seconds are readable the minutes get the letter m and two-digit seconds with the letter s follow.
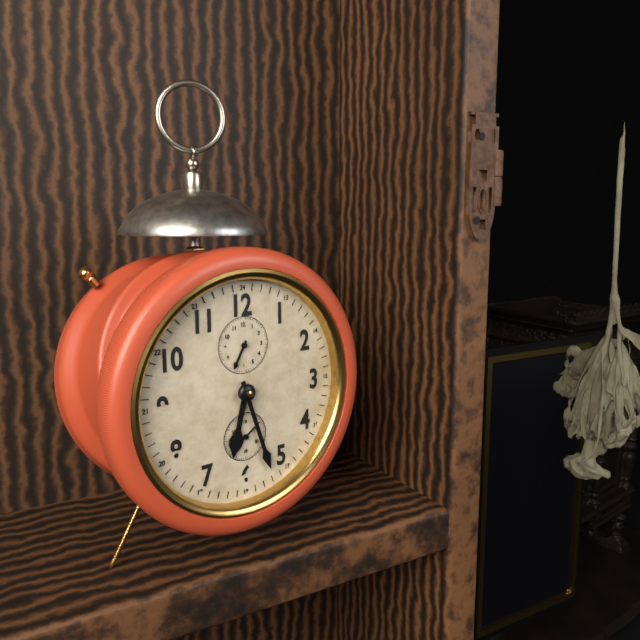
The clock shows 6h27
